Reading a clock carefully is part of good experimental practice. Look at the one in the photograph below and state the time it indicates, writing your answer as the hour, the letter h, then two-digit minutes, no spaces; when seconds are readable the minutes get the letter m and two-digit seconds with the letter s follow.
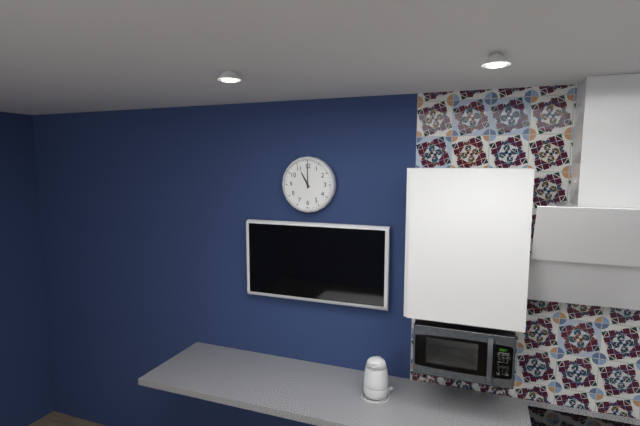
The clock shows 11h00
